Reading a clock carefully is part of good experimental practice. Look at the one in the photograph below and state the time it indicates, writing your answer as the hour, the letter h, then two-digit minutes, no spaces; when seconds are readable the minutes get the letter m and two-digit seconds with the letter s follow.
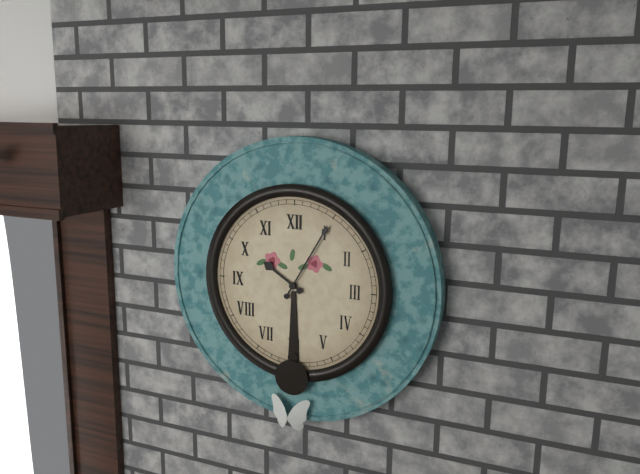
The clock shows 10h05
